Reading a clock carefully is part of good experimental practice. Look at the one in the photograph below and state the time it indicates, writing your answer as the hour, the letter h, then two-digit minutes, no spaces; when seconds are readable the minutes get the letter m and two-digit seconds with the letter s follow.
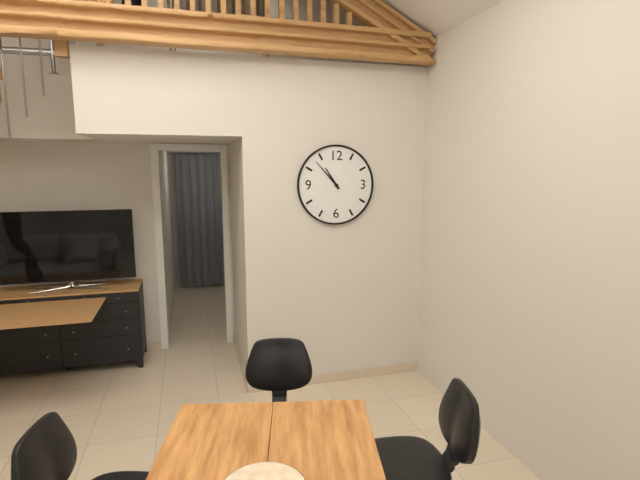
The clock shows 10h53
